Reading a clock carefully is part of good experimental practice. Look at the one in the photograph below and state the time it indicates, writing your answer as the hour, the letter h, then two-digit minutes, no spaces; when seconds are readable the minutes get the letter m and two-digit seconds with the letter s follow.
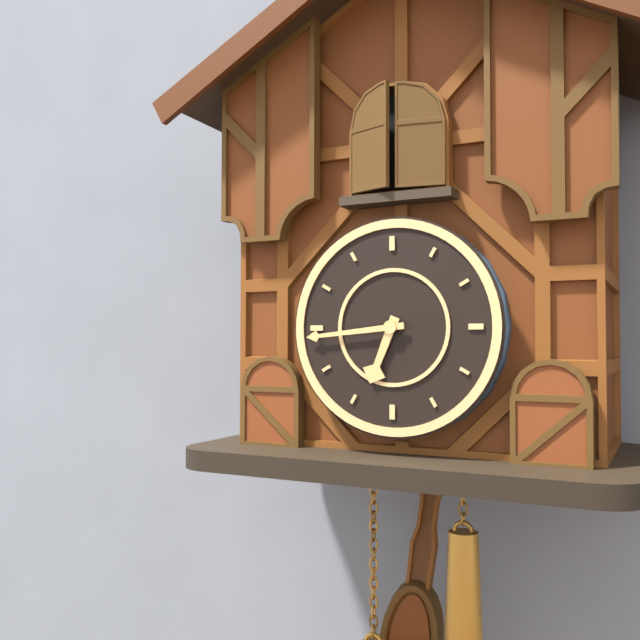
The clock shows 6h44
